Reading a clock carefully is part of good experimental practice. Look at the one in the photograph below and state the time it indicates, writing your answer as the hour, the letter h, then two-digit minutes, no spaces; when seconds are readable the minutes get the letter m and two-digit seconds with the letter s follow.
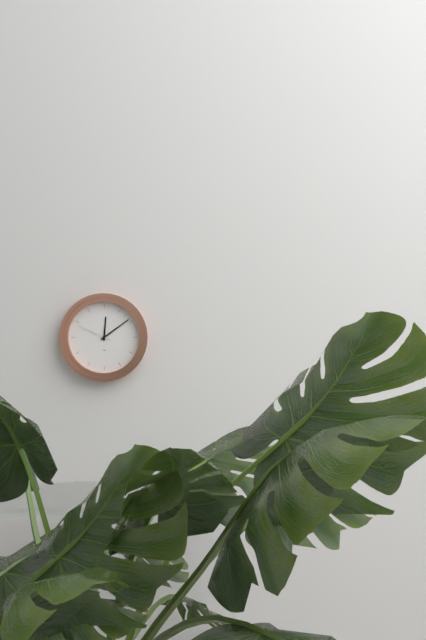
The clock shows 12h09
